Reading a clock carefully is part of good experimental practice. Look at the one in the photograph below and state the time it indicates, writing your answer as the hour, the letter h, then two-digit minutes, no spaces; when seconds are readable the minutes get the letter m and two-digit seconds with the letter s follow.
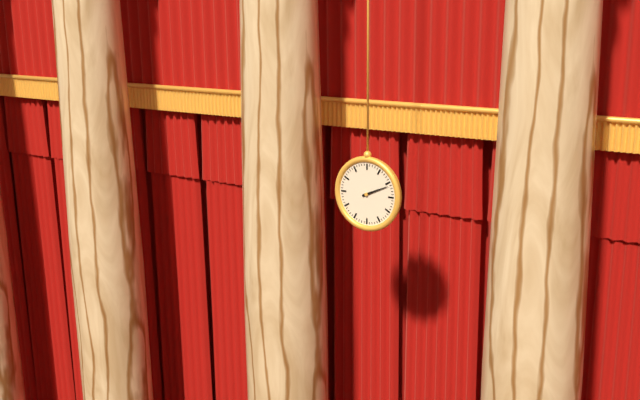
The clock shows 2h11
